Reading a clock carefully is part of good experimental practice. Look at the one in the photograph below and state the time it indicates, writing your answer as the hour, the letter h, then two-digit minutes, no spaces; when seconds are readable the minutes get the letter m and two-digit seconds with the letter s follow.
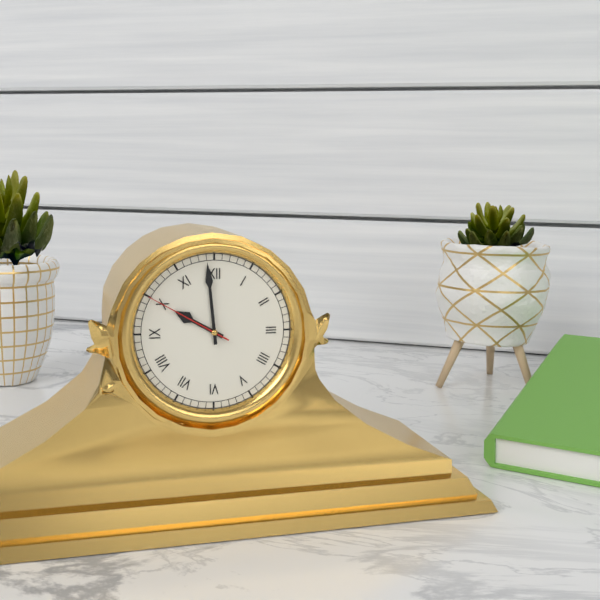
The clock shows 9h59m50s
